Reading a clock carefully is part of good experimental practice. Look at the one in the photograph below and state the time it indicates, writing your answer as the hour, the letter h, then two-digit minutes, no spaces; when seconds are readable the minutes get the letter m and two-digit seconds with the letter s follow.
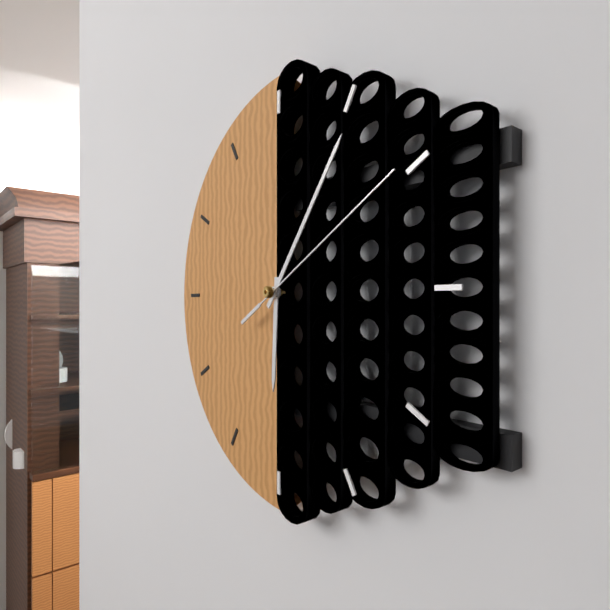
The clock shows 6h06m10s
